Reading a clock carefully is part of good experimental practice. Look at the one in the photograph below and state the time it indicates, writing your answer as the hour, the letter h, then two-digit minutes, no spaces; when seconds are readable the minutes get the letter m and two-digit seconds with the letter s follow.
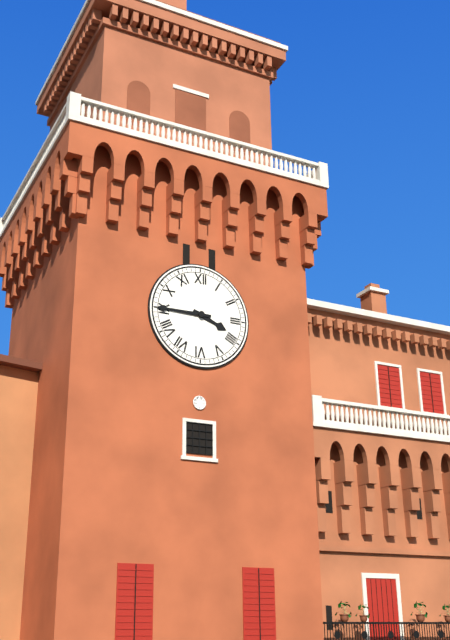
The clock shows 3h45
